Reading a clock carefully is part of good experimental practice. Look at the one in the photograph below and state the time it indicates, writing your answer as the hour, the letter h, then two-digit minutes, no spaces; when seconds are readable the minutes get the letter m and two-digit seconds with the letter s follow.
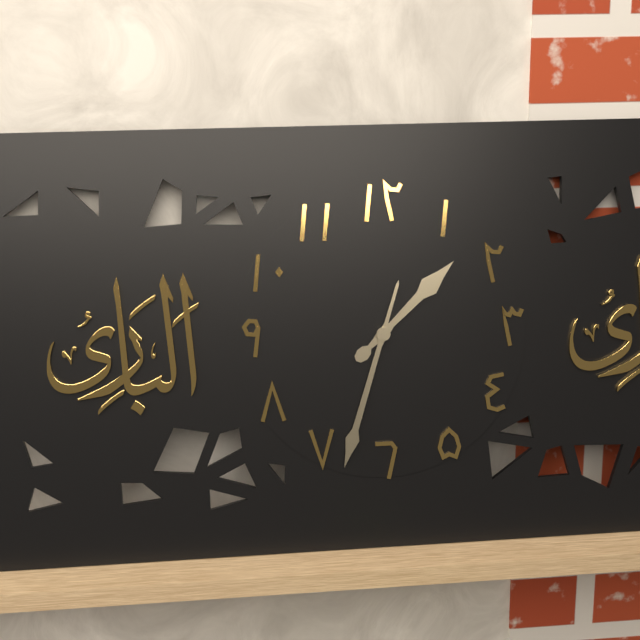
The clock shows 1h33
